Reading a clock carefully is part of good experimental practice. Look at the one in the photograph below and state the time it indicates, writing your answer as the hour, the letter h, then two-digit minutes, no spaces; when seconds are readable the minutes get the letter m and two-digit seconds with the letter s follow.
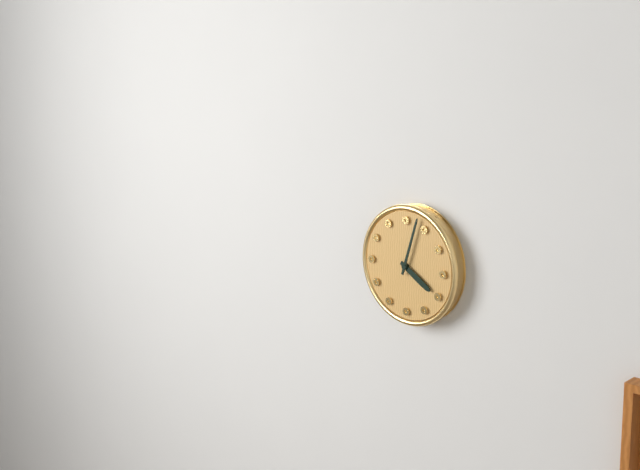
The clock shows 4h03
